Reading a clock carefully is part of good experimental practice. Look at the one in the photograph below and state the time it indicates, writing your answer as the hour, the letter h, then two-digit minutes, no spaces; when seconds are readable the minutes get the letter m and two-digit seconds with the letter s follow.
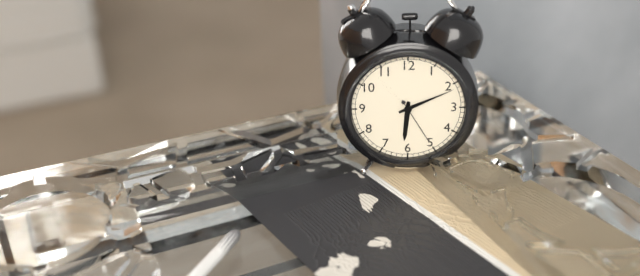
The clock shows 6h11
